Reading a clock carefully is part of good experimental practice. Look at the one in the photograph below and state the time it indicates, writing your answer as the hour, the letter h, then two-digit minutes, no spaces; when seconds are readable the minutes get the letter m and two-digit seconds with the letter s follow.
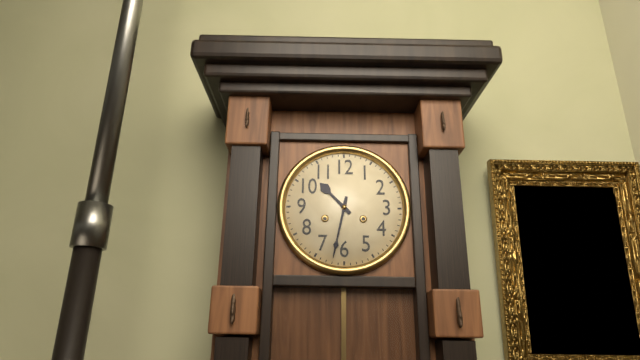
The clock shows 10h32
